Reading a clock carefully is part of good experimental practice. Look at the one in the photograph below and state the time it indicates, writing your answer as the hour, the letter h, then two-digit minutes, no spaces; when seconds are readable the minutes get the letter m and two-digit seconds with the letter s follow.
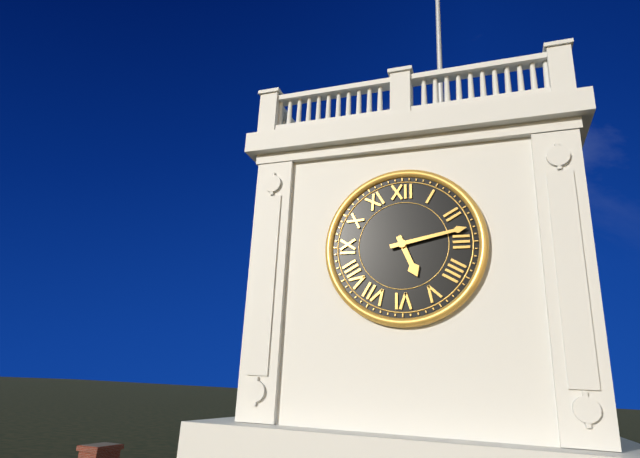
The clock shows 5h13
